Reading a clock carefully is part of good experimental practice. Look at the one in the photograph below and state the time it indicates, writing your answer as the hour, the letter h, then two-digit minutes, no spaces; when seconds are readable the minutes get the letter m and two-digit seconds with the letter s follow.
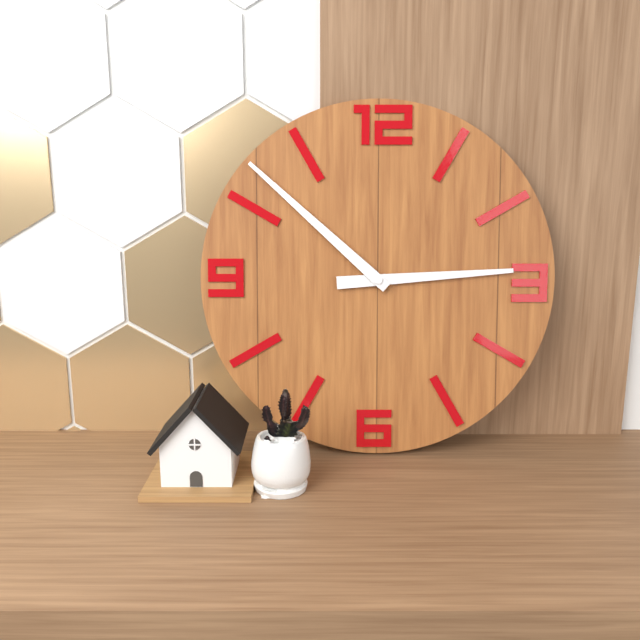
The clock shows 2h52
